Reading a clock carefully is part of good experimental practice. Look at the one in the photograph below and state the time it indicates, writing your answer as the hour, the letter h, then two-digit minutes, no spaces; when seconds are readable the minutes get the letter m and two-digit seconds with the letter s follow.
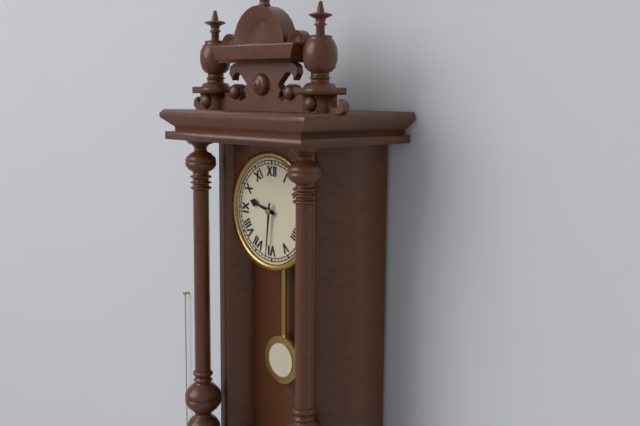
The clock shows 9h31
